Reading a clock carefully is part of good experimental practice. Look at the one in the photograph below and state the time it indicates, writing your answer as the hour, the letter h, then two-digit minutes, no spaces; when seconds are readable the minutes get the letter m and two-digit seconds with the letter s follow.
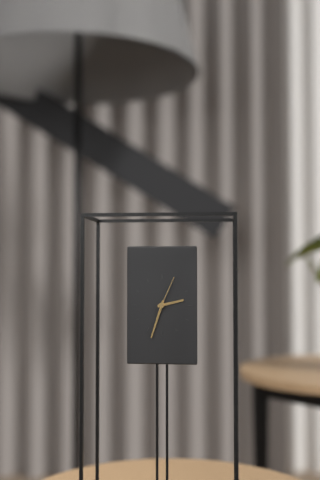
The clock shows 2h33
